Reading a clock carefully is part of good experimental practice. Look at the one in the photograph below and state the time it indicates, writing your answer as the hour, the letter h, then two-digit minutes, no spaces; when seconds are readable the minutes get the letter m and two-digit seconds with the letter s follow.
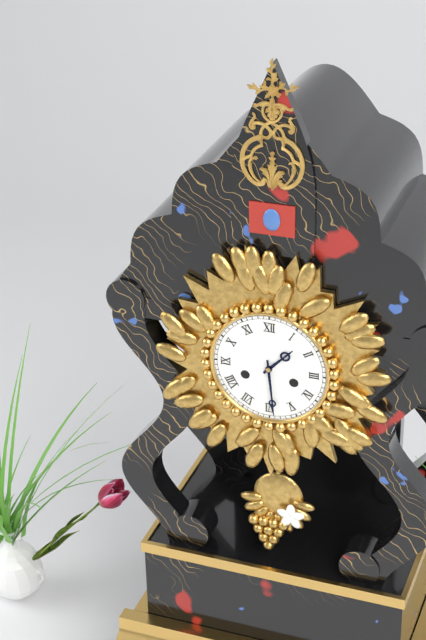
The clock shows 1h29
